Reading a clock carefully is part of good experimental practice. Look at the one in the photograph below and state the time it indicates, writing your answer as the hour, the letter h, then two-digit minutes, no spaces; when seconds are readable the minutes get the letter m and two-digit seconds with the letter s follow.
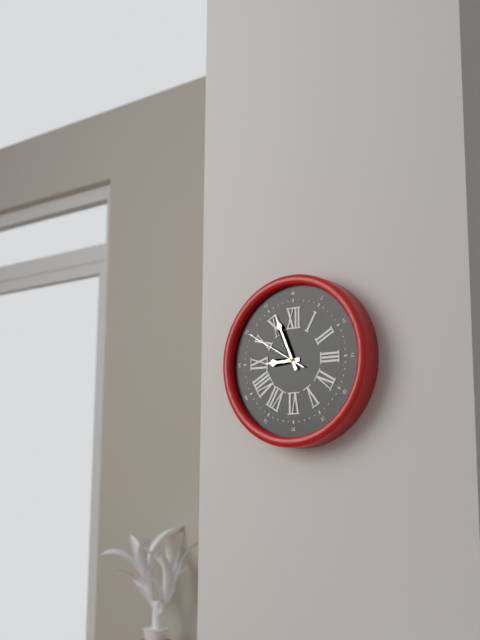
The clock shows 8h56m50s
